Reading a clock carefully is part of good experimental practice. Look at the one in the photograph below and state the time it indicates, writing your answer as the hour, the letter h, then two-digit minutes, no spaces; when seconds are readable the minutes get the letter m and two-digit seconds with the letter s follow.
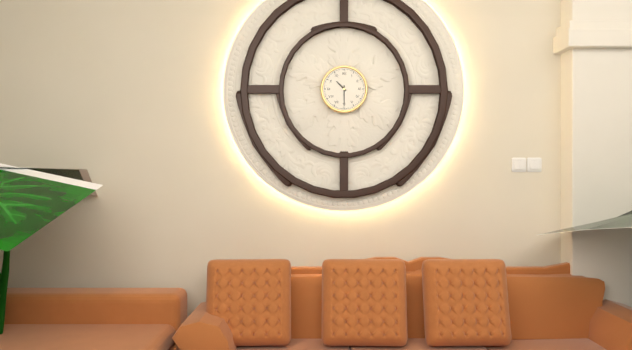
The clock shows 10h30
